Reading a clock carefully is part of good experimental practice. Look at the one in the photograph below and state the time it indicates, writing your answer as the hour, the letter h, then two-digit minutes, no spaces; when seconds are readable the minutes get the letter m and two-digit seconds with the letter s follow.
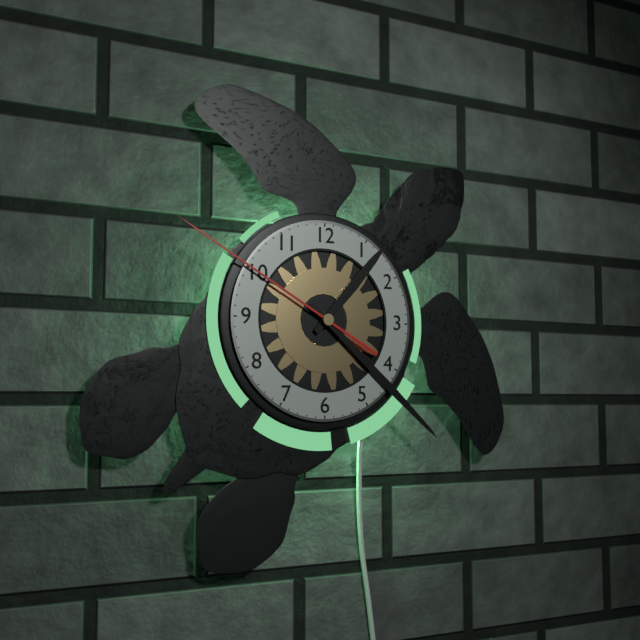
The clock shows 1h22m50s
